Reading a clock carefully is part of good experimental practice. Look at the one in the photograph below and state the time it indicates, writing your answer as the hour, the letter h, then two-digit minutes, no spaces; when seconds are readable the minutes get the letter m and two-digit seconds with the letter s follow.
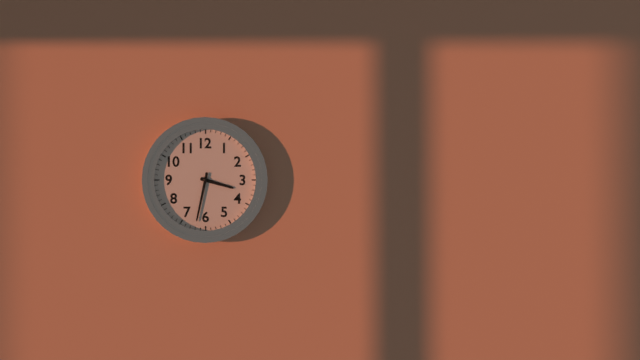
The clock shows 3h32
